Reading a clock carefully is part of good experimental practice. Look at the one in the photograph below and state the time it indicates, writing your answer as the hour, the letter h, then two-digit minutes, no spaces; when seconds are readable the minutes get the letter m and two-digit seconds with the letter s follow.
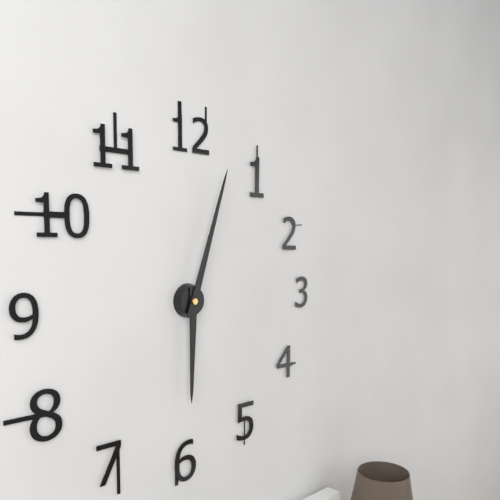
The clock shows 6h03
